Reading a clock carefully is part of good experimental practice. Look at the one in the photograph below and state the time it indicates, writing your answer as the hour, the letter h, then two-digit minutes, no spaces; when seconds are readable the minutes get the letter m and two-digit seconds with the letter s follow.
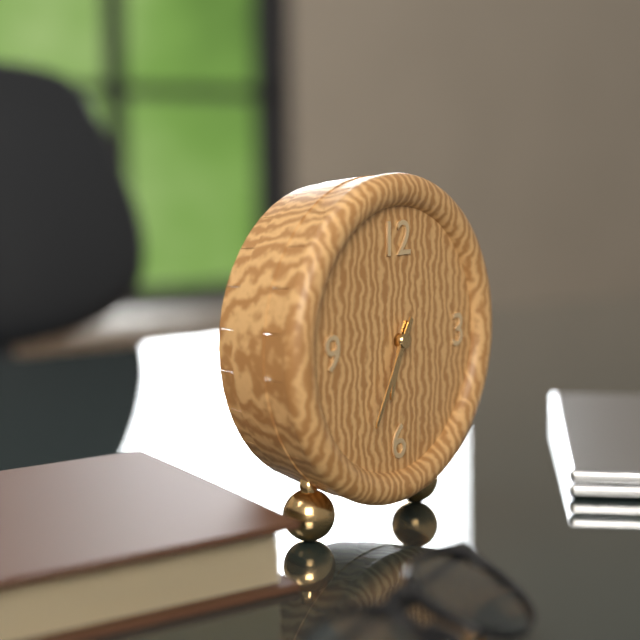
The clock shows 6h35
